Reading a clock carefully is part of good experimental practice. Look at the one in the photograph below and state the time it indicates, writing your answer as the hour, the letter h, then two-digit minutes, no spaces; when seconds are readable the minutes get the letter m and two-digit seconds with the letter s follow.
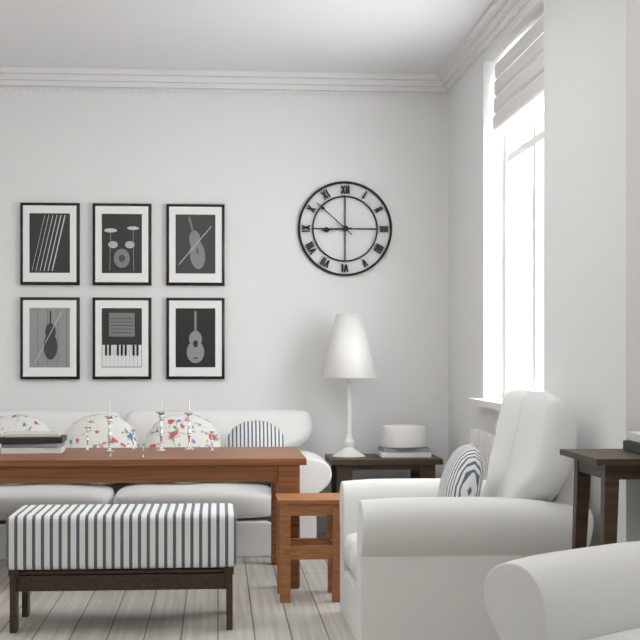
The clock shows 8h52
